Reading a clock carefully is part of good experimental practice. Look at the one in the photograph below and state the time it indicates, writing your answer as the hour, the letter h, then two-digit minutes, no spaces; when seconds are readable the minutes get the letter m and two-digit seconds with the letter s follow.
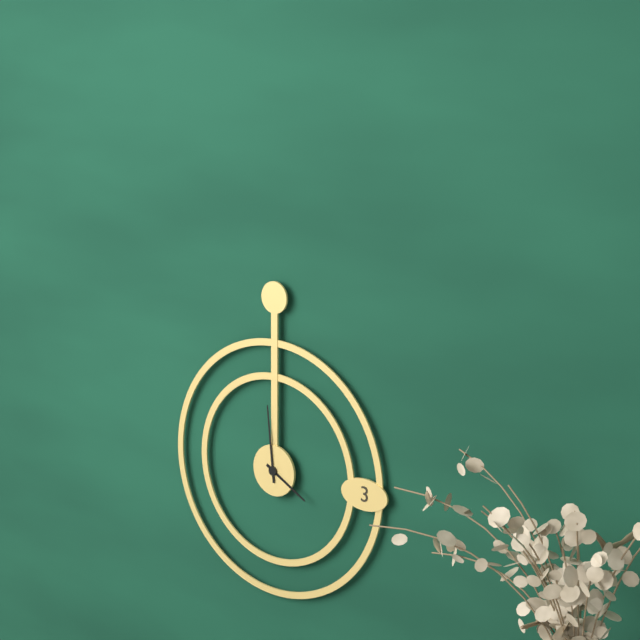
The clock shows 3h59
